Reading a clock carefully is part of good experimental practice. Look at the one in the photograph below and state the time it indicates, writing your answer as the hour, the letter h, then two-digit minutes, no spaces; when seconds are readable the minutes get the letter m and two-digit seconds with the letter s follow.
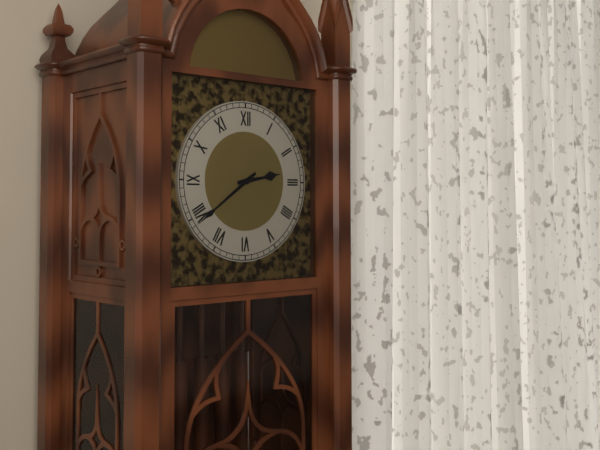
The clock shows 2h39
